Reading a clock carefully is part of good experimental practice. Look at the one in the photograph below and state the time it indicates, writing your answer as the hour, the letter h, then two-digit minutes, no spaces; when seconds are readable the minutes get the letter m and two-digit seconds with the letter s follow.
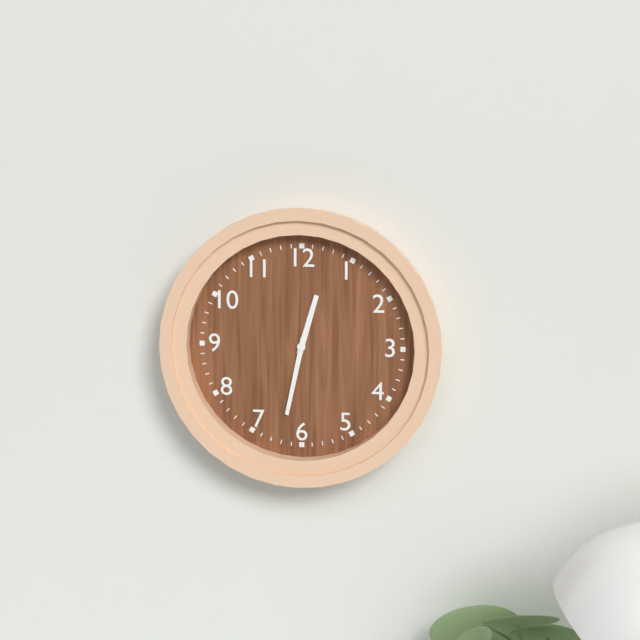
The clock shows 12h32
